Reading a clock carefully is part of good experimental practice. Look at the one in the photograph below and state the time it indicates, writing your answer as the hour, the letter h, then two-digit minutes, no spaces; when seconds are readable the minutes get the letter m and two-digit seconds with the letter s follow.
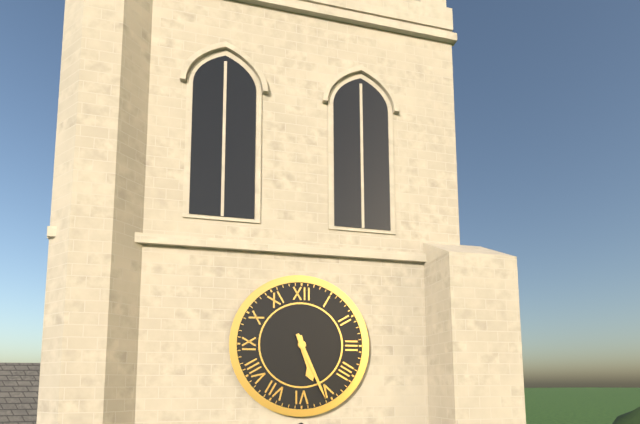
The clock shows 5h26
